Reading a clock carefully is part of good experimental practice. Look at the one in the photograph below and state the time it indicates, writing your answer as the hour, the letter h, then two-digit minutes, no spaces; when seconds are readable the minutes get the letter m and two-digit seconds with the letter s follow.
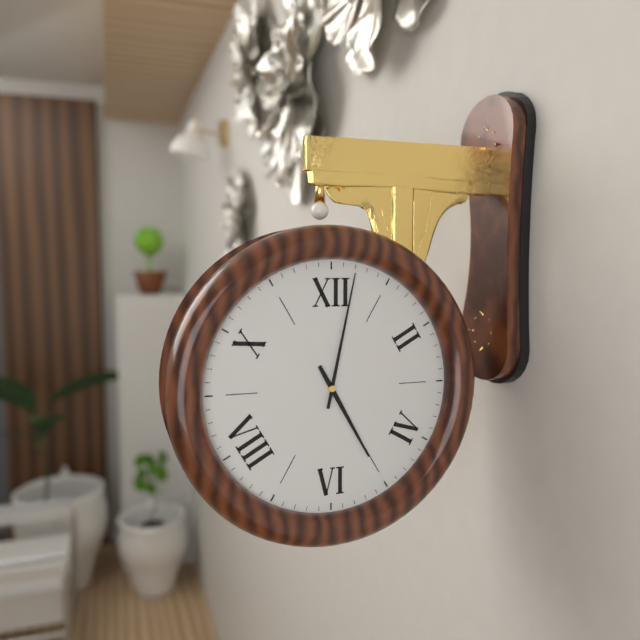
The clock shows 5h02
